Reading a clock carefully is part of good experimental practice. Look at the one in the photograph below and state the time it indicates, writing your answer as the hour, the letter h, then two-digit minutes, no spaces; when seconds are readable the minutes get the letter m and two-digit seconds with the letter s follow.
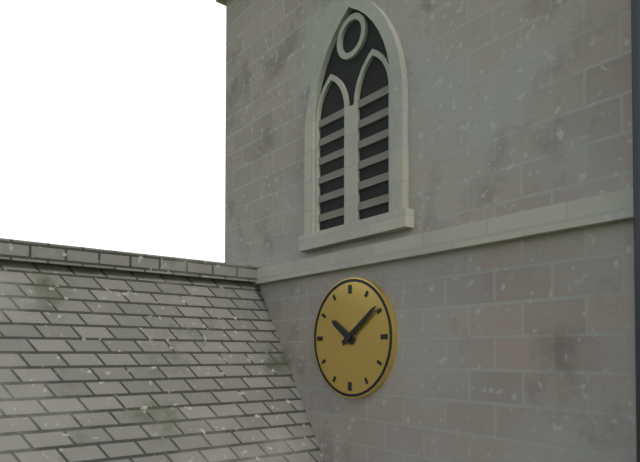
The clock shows 10h09
